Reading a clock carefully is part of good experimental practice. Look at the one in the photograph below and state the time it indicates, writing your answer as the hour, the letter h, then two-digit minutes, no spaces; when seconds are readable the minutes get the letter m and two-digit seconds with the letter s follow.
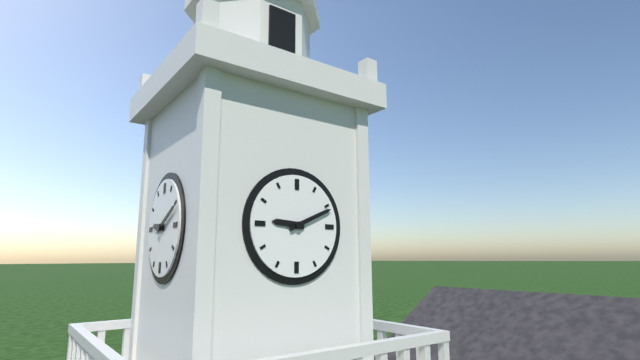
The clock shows 9h11
